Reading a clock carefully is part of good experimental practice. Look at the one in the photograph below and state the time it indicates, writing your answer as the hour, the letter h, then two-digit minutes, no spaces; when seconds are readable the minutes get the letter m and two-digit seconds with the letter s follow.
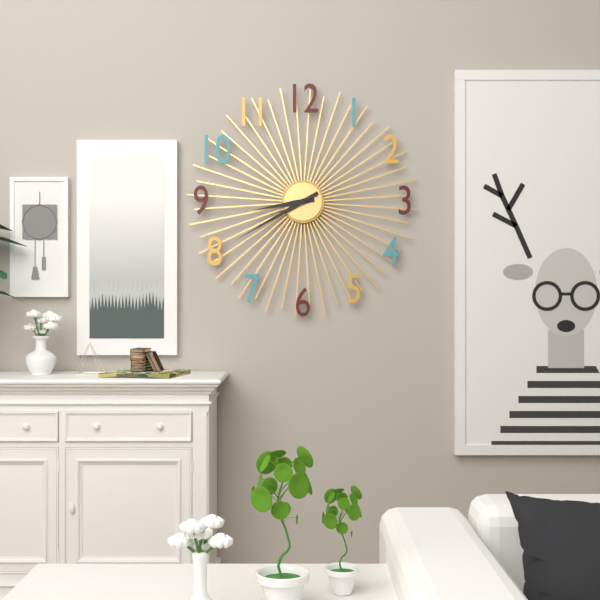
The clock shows 8h40
